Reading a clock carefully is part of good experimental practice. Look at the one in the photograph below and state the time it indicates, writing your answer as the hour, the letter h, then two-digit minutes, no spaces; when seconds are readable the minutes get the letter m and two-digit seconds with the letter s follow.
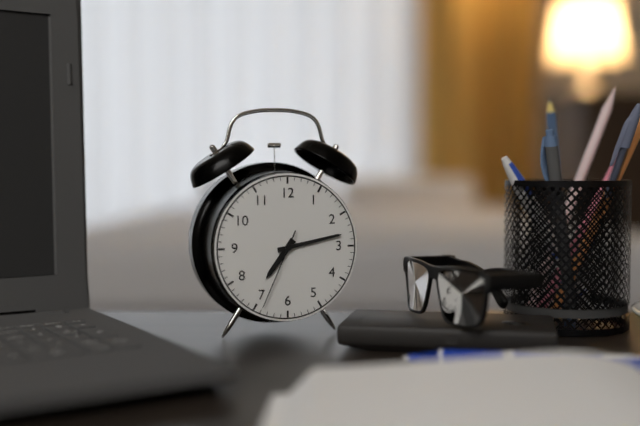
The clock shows 7h13m34s
